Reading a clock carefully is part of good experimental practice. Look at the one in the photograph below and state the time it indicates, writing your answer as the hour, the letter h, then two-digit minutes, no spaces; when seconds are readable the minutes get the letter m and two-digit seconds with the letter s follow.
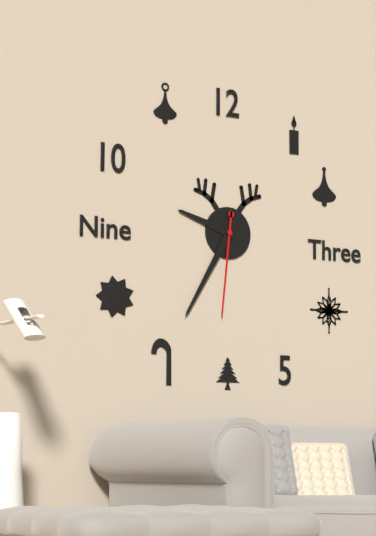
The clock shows 9h35m31s
